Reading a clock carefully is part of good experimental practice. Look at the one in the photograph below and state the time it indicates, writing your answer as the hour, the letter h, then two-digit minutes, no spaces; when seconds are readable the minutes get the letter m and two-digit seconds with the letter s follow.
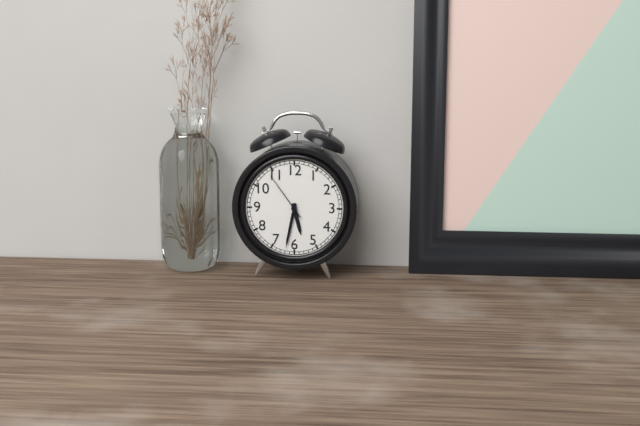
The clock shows 5h32m54s
